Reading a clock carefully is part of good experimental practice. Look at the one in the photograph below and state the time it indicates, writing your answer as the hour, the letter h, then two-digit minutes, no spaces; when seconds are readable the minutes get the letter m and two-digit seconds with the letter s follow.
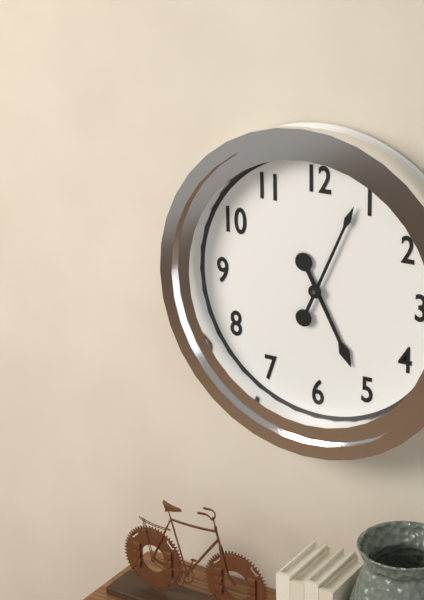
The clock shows 5h04
